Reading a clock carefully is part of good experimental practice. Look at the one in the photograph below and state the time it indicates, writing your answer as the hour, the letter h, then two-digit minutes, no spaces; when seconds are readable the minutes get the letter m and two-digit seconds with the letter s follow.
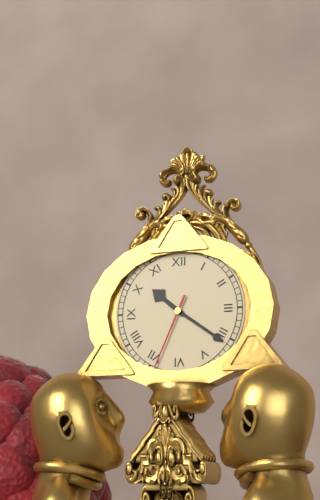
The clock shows 10h21m34s
